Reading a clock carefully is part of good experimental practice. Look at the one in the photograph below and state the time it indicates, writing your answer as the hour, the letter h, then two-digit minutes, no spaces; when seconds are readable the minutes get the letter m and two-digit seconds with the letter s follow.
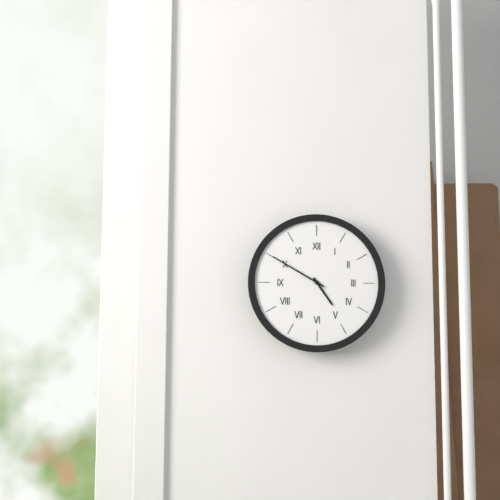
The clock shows 4h50
